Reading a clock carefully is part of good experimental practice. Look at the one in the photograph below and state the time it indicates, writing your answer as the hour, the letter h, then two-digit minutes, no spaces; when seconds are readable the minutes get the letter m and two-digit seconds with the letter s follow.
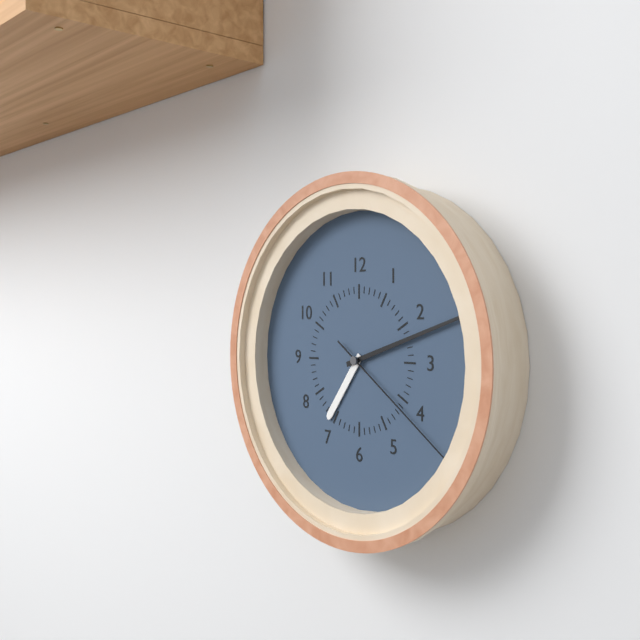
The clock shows 7h12m21s
